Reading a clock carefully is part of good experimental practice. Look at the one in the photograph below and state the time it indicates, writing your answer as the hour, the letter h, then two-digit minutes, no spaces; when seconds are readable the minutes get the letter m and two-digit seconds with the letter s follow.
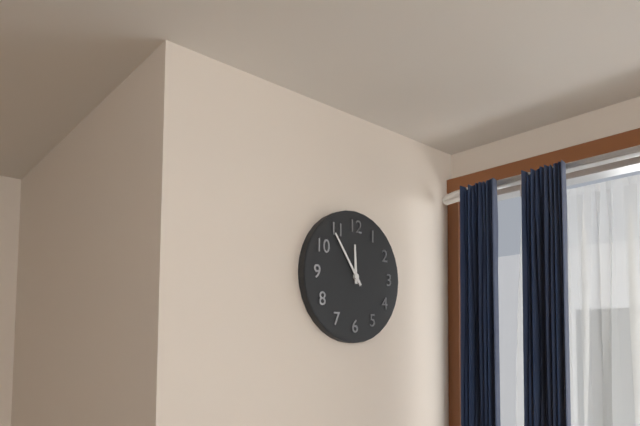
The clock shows 11h54
